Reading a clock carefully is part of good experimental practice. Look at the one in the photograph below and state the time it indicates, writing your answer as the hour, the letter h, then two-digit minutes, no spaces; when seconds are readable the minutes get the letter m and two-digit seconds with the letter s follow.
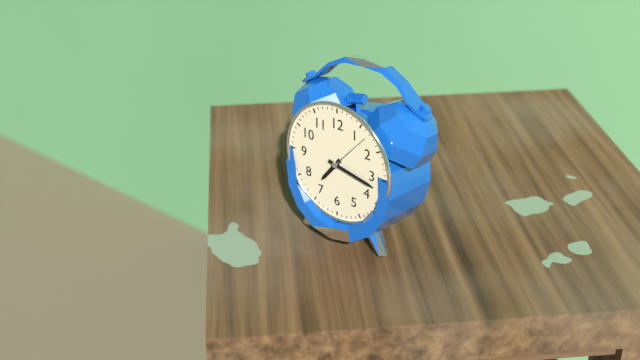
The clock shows 7h17
